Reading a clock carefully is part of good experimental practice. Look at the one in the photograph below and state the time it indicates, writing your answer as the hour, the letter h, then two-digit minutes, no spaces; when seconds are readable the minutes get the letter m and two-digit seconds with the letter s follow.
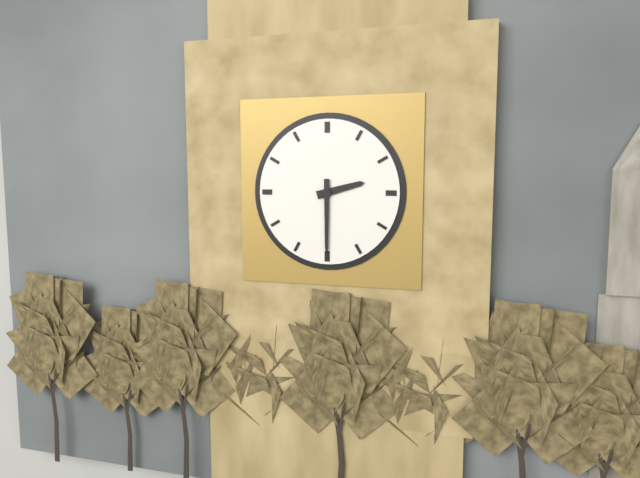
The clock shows 2h30
